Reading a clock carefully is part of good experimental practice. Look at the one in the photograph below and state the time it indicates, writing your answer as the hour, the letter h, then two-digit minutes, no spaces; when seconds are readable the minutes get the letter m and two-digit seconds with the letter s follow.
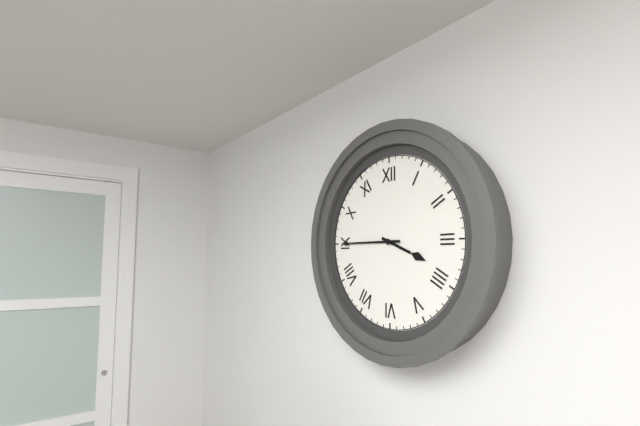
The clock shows 3h45
